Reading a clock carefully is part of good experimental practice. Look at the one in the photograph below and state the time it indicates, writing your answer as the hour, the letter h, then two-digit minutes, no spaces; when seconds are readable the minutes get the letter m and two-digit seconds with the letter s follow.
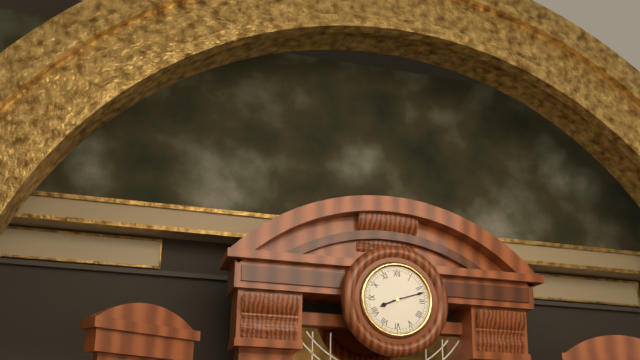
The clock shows 8h12
